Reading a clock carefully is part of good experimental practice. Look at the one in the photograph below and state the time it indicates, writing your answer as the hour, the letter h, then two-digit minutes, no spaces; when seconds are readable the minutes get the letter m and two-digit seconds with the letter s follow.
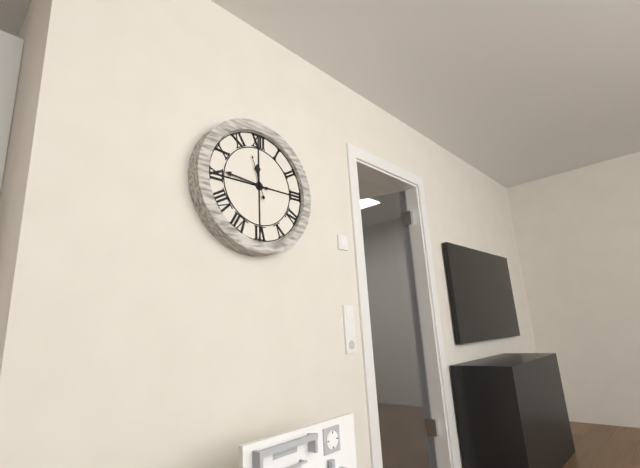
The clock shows 11h46
